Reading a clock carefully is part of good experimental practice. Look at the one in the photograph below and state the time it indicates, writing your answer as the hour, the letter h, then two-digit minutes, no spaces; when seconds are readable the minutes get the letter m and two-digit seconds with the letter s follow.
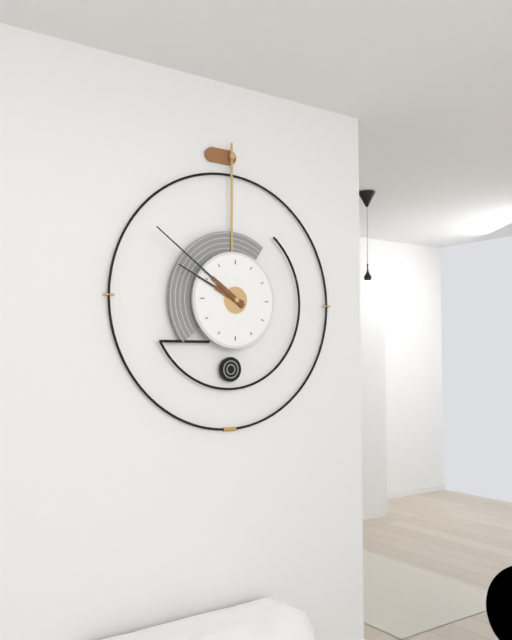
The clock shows 9h51
